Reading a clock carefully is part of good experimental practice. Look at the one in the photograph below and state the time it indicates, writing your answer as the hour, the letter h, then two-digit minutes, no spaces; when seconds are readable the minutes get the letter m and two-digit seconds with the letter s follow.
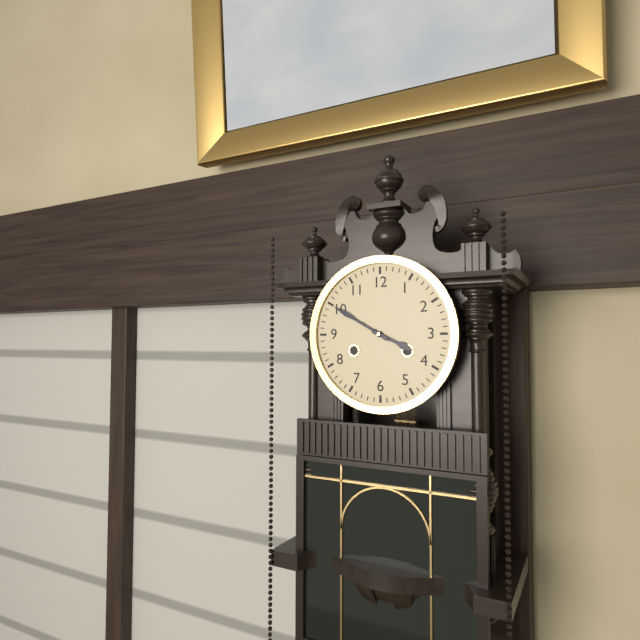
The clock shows 3h50
